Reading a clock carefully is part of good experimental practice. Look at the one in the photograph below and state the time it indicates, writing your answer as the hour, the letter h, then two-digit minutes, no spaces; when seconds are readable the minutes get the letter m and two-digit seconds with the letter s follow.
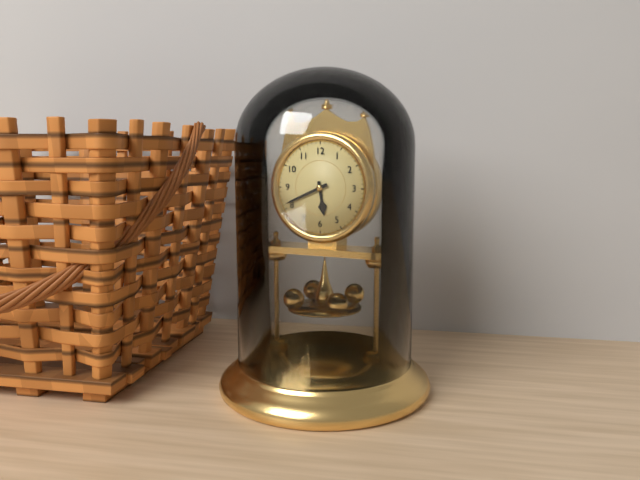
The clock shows 5h41
